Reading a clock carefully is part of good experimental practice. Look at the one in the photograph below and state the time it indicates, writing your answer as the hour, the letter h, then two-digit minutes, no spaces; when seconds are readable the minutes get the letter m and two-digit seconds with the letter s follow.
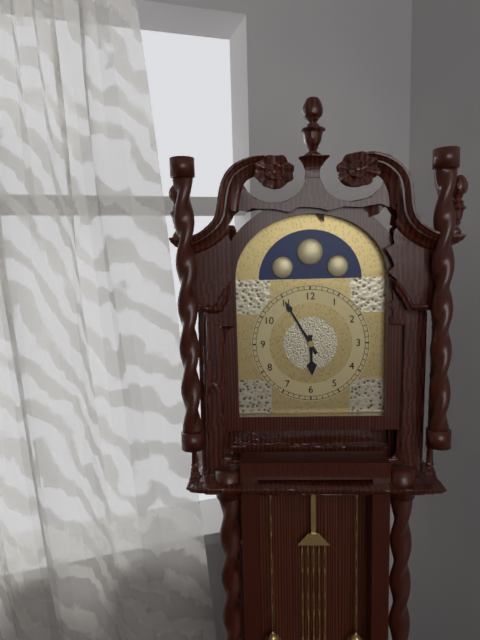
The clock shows 5h55
